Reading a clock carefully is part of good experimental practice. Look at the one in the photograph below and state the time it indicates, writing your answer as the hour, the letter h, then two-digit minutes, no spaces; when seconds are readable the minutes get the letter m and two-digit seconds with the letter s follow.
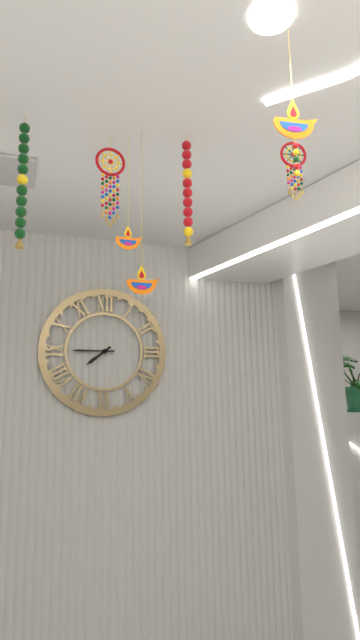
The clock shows 7h45
